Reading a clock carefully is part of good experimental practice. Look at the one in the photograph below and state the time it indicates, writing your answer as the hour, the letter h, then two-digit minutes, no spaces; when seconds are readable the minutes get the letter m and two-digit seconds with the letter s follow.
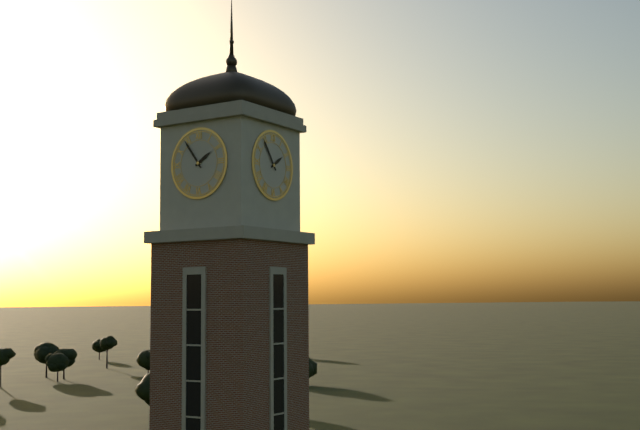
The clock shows 1h54
